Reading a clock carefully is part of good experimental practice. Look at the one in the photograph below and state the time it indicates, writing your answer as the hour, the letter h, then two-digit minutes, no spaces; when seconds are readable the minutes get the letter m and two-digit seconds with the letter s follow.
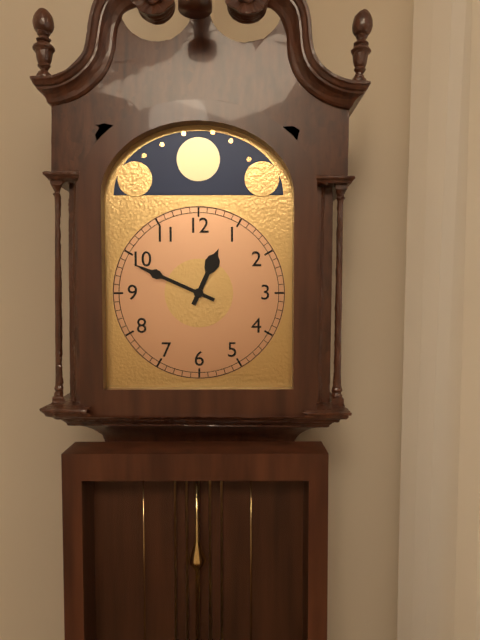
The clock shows 12h49
